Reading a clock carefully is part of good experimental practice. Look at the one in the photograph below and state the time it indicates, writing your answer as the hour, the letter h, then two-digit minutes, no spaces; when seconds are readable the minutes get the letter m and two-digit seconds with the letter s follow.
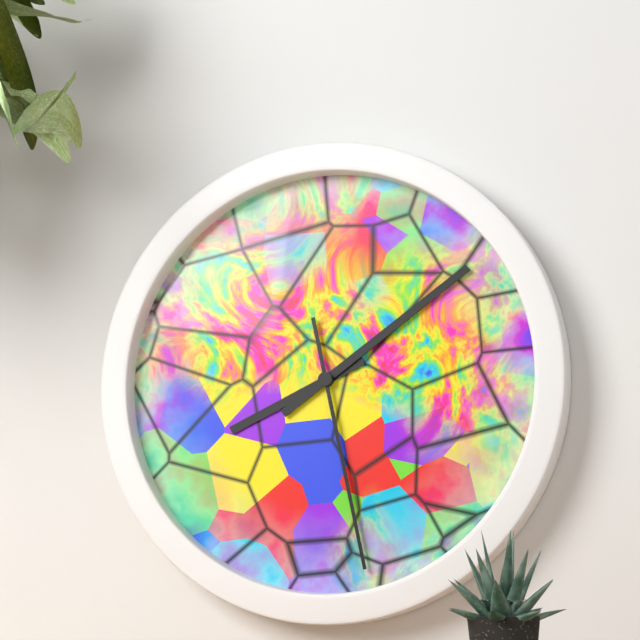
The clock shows 8h09m28s
